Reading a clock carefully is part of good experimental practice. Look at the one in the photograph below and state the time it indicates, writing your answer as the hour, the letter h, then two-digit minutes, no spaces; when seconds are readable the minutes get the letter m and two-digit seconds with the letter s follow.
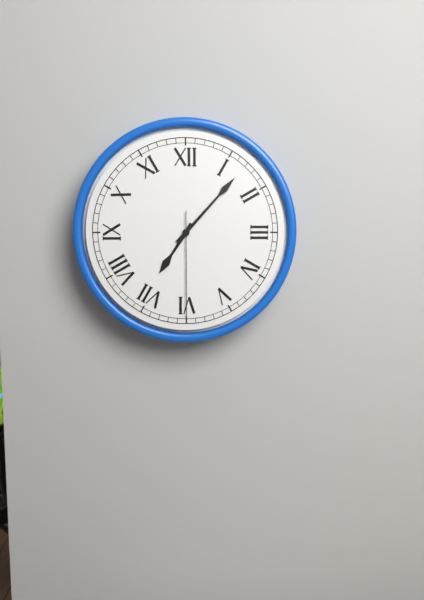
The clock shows 7h07m30s
